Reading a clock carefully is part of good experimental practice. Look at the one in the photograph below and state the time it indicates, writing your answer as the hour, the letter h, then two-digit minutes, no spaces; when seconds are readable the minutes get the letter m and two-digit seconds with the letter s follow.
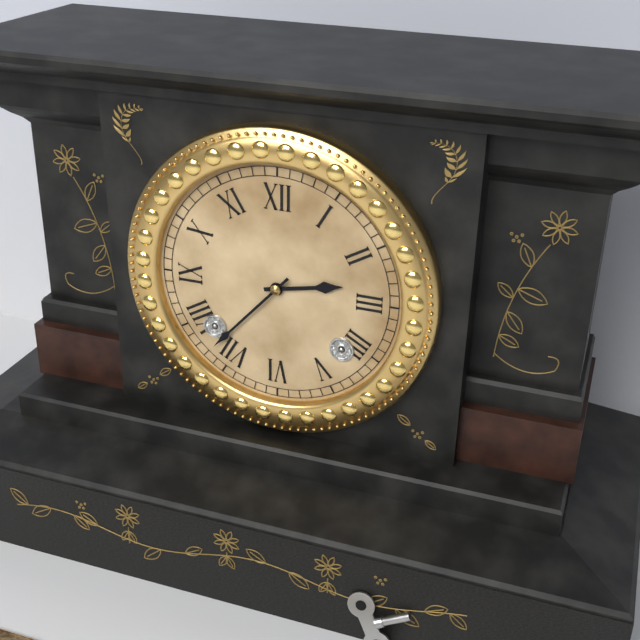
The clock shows 2h37
